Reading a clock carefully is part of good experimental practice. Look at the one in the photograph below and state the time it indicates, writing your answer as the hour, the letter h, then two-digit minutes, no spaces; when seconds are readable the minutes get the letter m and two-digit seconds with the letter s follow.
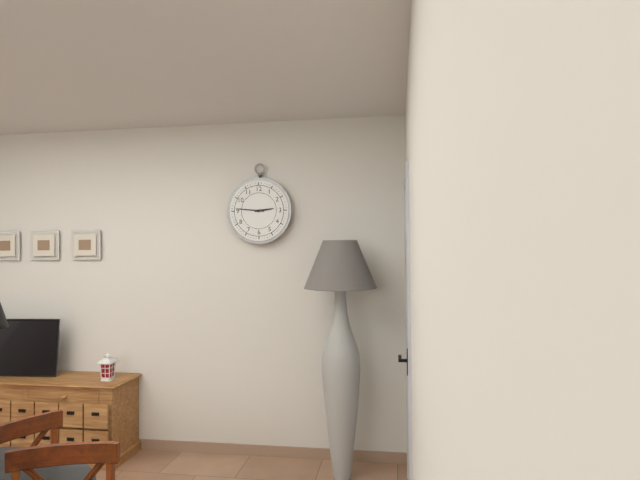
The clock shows 2h46
